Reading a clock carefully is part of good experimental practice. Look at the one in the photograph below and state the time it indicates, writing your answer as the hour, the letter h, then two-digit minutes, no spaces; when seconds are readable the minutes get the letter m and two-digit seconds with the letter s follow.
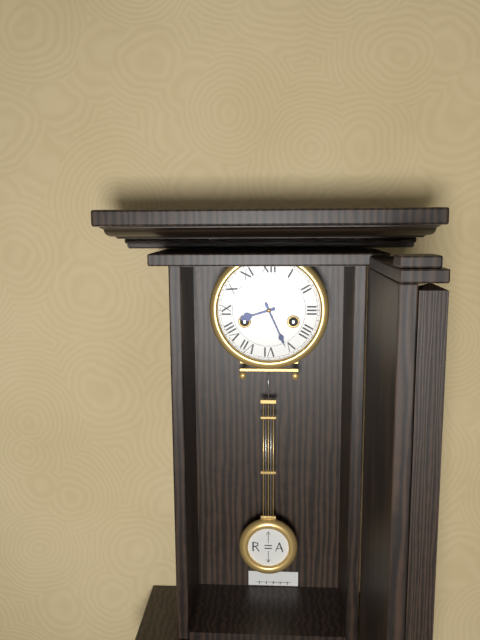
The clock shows 8h26
